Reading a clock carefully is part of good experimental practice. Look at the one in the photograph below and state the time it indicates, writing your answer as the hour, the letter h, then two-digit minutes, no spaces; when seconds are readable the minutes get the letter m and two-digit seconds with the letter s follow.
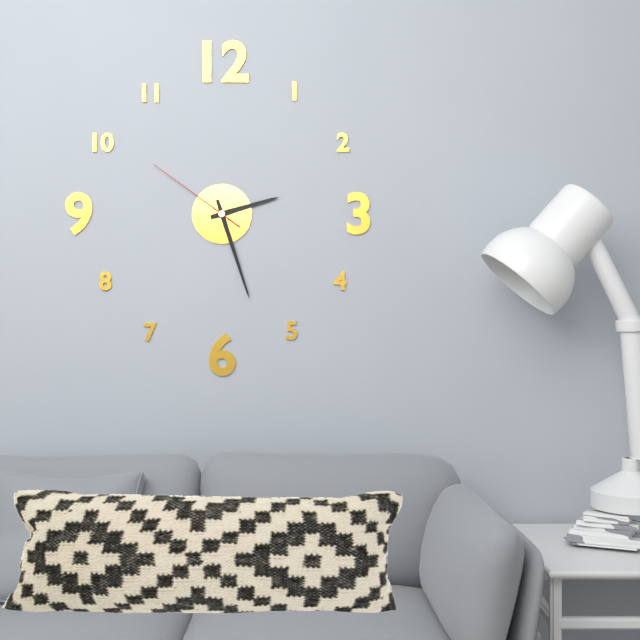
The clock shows 2h27m51s
